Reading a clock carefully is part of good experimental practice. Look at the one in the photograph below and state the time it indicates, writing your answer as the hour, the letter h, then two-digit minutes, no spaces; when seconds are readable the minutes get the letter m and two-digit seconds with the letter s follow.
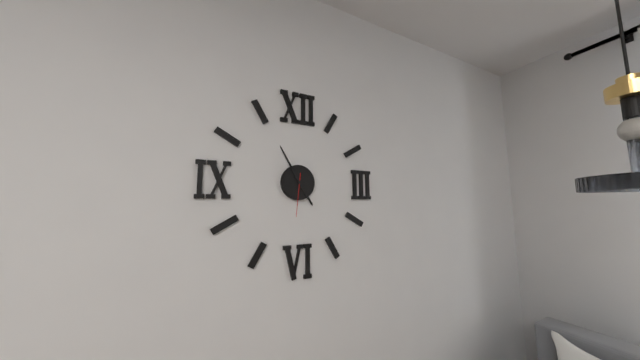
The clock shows 4h55
